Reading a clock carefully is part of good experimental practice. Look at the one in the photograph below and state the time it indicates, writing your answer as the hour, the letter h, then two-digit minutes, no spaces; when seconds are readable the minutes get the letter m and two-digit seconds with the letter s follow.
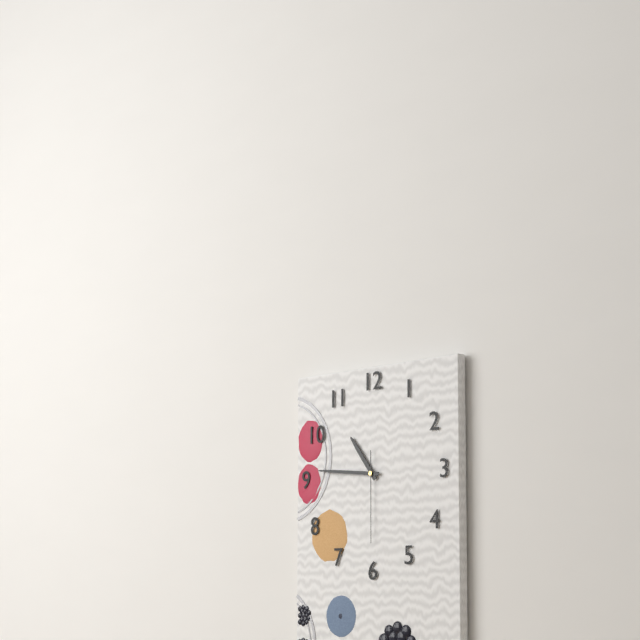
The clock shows 10h46m30s
